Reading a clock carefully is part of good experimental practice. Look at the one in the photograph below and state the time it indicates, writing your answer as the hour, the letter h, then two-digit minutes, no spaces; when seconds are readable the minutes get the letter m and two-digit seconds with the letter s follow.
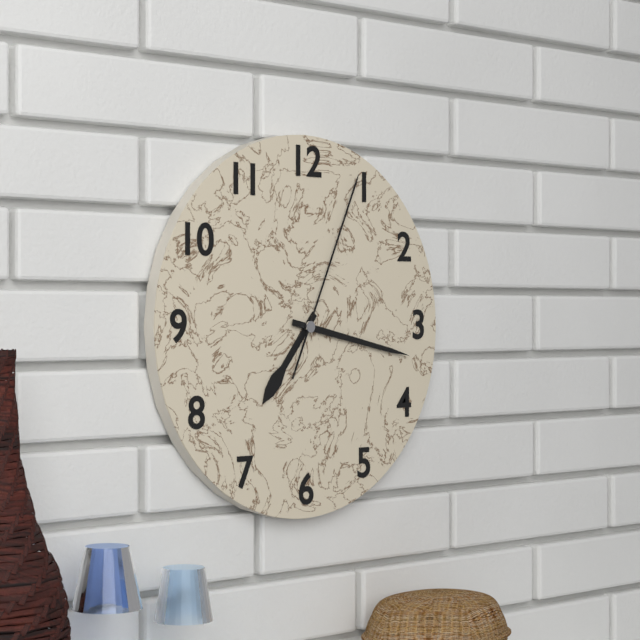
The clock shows 7h17m04s
